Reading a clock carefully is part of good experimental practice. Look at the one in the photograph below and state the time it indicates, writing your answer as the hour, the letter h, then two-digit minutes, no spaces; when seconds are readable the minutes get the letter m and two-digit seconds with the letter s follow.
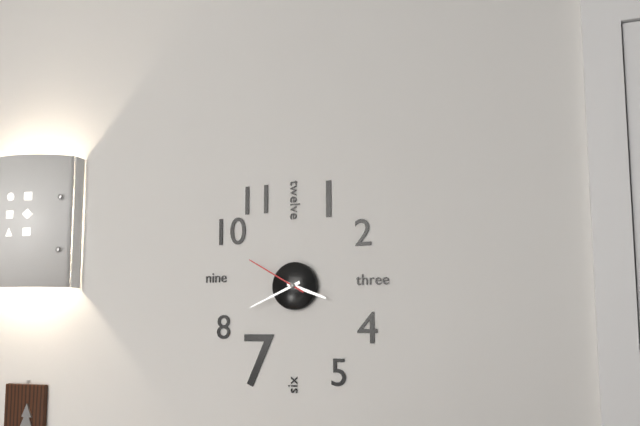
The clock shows 3h41m50s
